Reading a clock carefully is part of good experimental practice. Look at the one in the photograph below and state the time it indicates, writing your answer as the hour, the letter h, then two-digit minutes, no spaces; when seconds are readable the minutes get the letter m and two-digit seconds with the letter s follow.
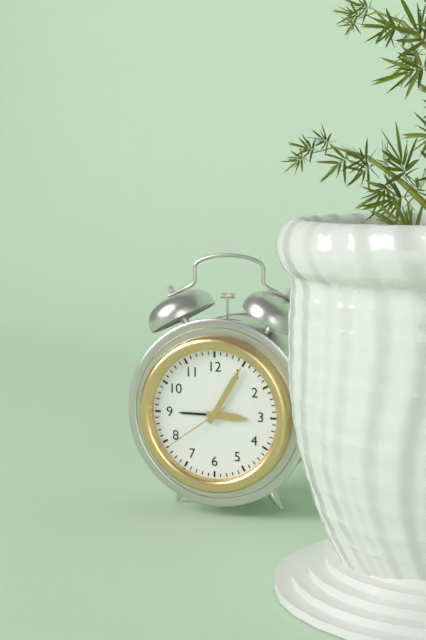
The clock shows 3h05m39s
